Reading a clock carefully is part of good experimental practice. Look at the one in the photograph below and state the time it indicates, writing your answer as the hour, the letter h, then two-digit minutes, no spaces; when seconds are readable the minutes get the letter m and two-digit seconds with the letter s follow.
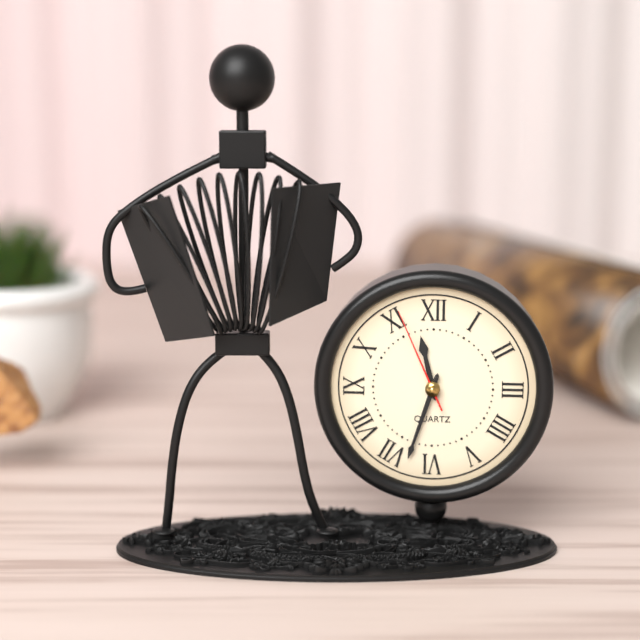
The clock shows 11h33m56s
